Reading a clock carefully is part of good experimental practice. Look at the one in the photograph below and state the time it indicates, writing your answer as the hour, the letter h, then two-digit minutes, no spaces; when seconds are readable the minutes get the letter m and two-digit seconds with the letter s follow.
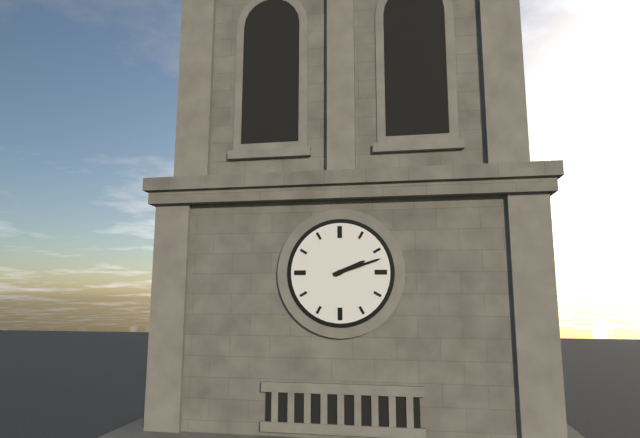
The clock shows 2h12
